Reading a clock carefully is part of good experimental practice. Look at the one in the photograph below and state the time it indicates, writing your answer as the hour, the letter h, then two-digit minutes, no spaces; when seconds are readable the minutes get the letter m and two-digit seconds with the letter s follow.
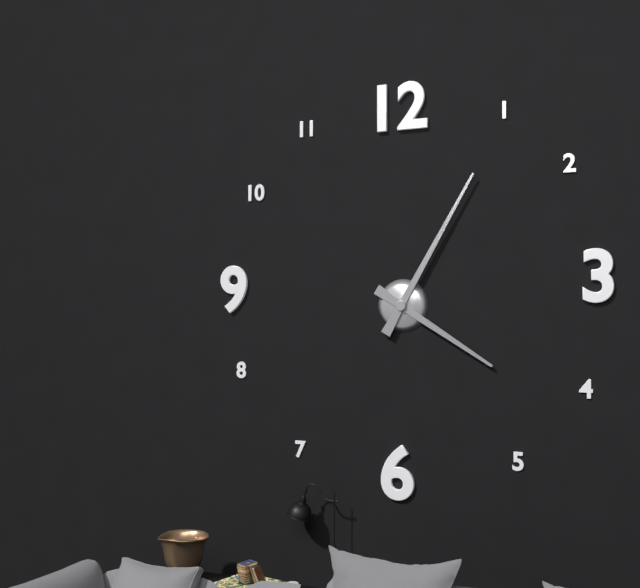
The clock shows 4h05
